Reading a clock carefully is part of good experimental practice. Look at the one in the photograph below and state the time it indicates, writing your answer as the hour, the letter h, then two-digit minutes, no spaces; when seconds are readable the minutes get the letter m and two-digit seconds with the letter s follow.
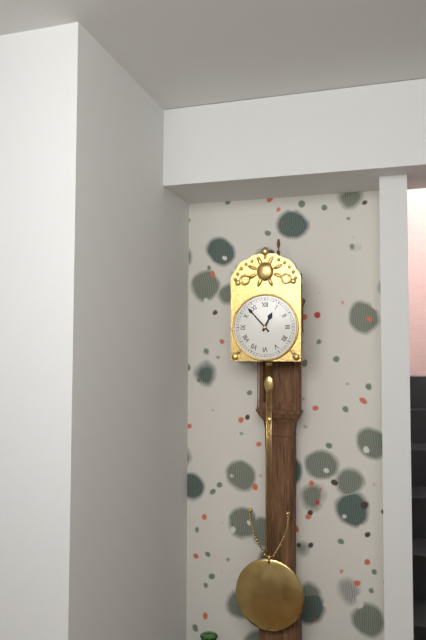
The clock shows 12h53
